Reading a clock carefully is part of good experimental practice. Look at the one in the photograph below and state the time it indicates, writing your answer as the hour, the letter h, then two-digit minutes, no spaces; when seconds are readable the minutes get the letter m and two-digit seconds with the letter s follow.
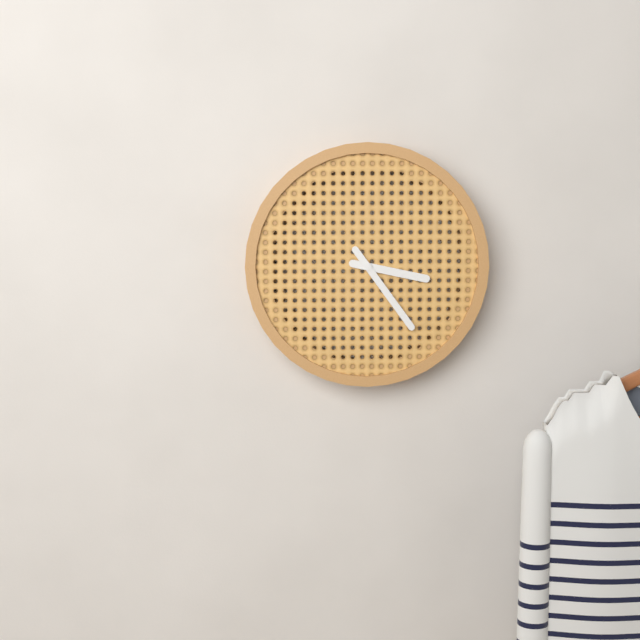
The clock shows 3h24
